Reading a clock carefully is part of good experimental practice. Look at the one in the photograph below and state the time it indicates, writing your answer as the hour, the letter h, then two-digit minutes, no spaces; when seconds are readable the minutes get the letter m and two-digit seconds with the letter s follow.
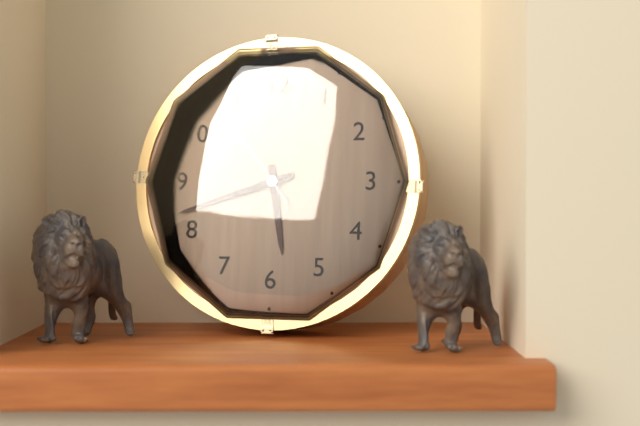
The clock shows 5h42m54s
